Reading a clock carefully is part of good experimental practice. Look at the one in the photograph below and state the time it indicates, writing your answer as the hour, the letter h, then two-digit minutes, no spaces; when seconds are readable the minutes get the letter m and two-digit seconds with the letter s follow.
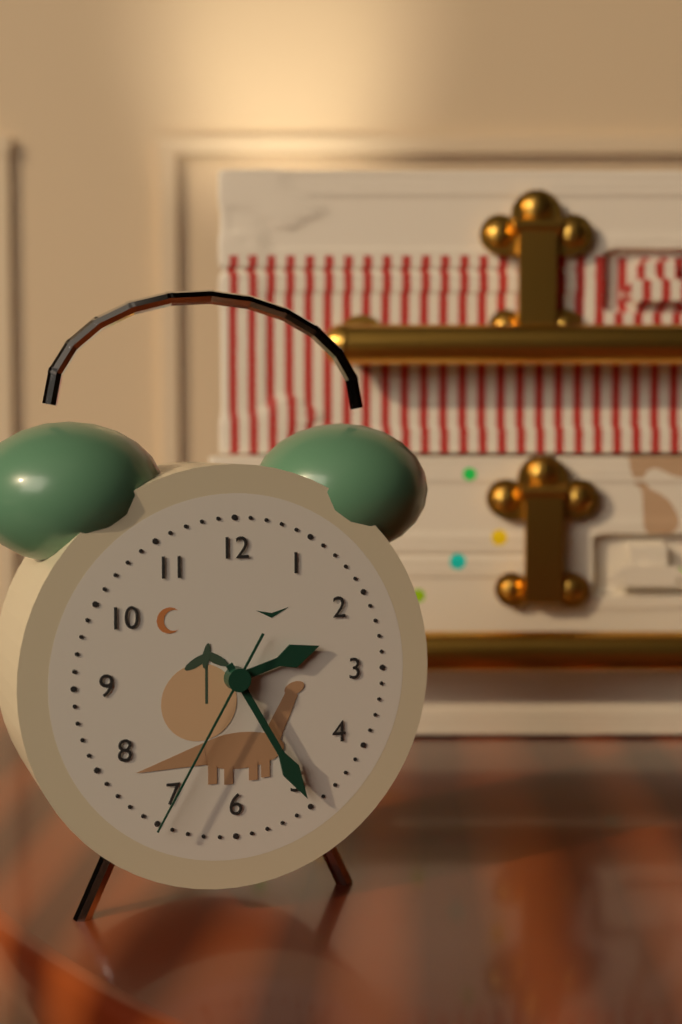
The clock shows 2h25m35s
